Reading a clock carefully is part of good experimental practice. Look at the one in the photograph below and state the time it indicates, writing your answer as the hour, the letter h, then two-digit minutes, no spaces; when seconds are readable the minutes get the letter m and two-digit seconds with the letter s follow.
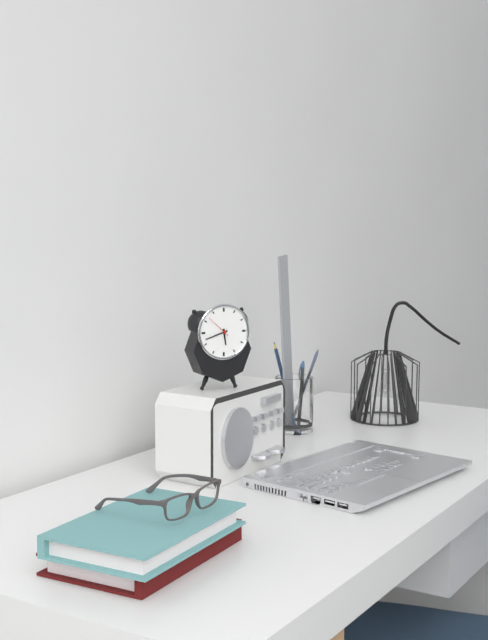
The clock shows 5h42
